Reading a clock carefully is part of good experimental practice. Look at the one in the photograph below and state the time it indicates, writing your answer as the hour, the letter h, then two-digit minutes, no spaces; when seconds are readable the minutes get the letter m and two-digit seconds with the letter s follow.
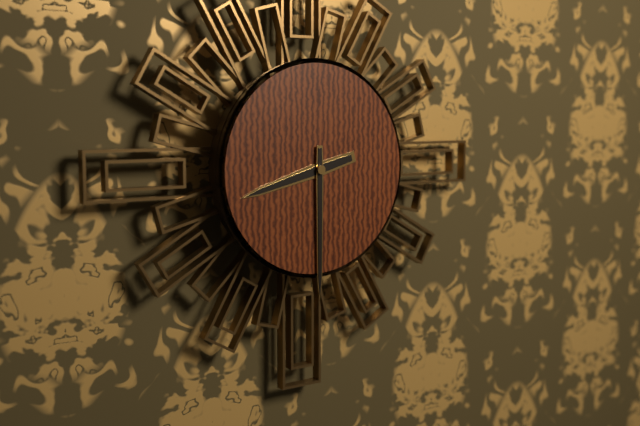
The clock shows 8h30
